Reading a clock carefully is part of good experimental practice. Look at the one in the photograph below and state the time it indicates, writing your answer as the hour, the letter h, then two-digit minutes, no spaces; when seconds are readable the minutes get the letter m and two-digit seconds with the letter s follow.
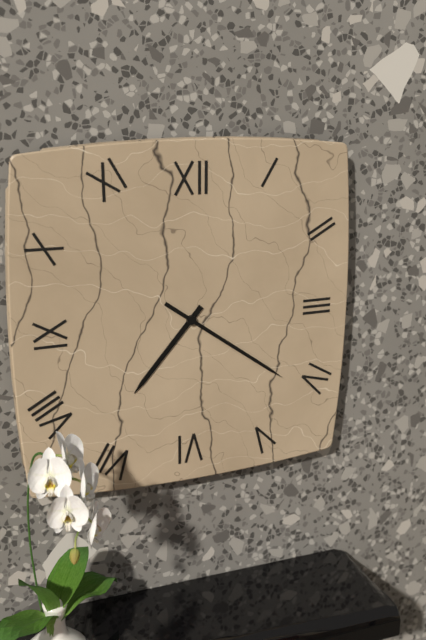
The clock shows 7h21
